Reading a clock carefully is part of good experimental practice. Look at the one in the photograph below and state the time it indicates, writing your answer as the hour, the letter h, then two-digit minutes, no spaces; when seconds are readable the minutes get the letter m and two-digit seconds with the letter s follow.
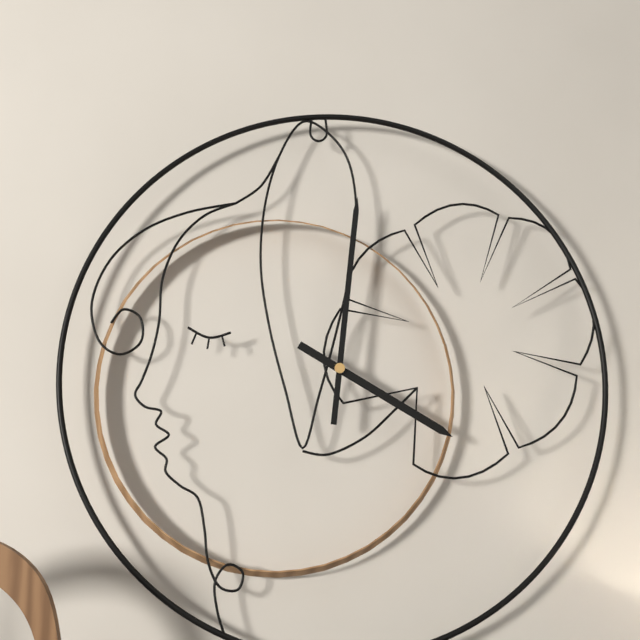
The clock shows 4h01
